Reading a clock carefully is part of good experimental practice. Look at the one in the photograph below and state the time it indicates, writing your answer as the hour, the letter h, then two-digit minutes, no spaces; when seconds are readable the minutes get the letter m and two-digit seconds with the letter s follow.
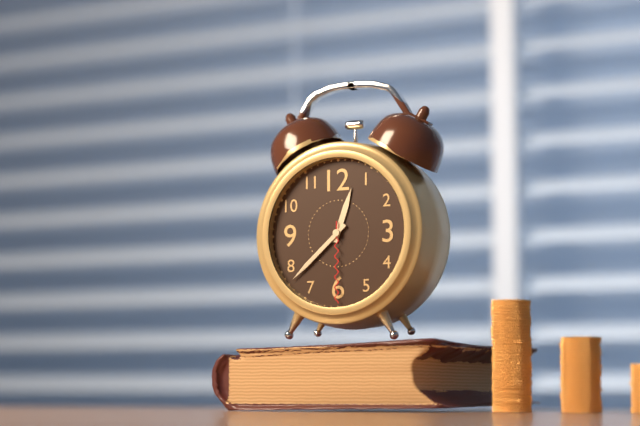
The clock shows 12h38m30s
